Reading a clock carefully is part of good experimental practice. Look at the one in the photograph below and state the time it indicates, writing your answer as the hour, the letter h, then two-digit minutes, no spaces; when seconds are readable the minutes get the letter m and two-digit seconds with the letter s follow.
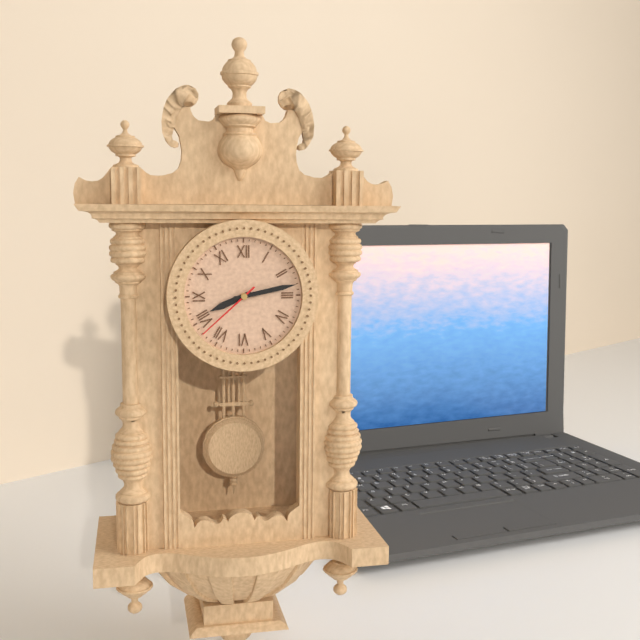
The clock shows 8h13m38s
